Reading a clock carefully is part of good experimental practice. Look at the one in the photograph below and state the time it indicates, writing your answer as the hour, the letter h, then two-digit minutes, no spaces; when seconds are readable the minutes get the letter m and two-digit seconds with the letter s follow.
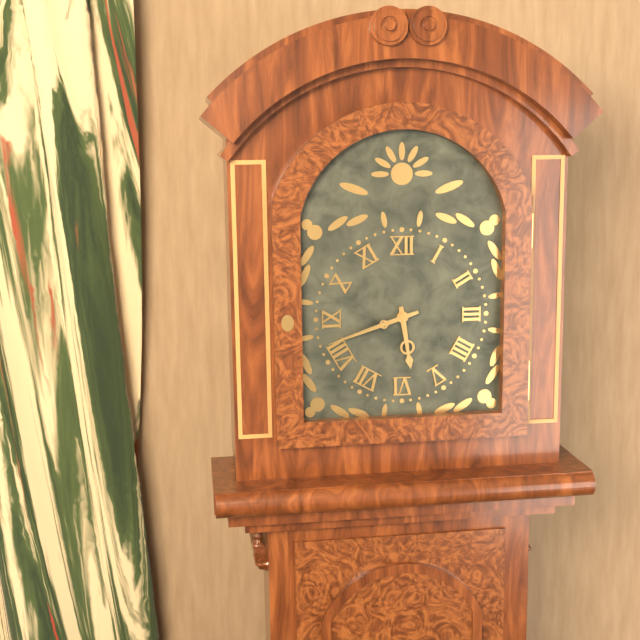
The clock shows 5h42
